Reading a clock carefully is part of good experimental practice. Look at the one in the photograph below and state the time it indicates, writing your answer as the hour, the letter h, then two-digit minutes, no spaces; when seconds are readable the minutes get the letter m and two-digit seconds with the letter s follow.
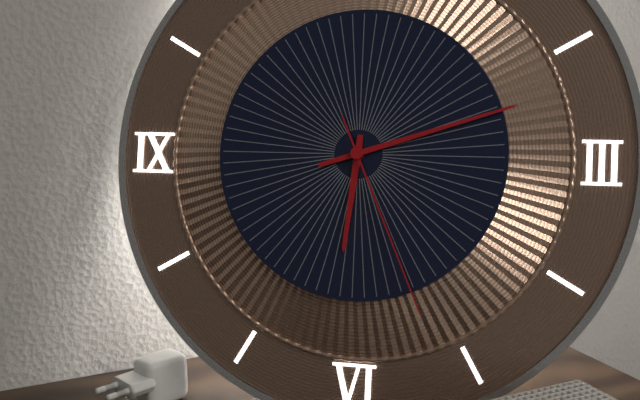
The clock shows 6h12m26s
